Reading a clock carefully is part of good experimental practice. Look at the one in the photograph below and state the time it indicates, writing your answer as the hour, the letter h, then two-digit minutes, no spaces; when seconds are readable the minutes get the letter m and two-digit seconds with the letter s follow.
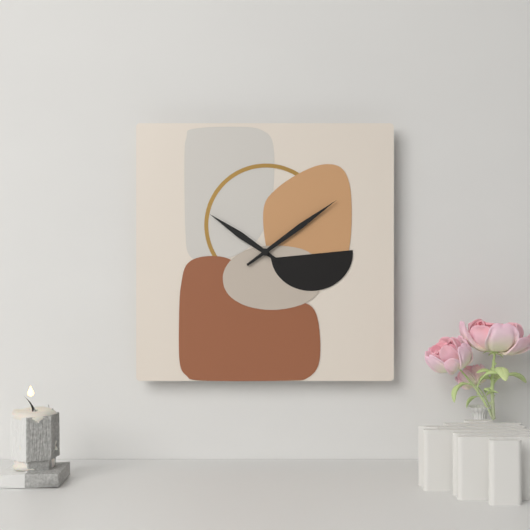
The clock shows 10h09
